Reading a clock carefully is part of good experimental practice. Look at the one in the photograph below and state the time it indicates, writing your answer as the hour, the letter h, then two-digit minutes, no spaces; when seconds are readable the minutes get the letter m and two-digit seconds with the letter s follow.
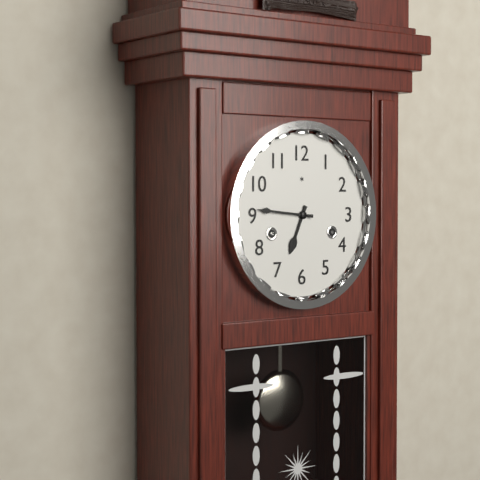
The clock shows 6h46
